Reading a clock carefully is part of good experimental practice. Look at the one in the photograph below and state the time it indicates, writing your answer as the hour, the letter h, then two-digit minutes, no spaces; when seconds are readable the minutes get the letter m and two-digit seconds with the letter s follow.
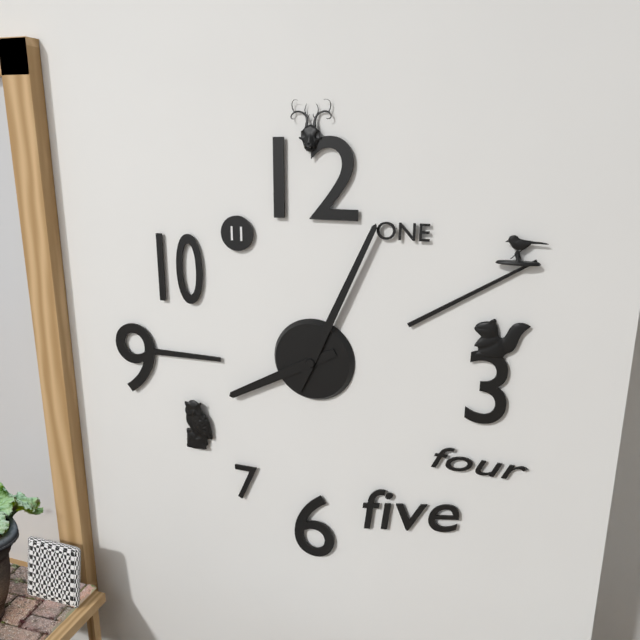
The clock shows 8h04
